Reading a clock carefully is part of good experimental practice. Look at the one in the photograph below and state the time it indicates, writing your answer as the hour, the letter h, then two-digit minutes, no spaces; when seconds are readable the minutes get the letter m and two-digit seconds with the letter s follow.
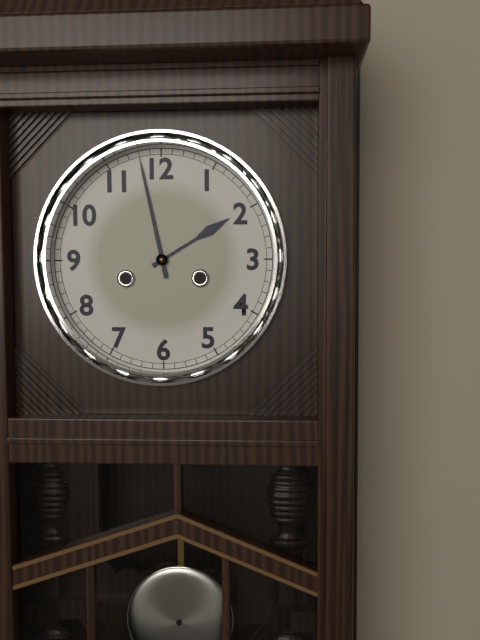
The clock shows 1h58
